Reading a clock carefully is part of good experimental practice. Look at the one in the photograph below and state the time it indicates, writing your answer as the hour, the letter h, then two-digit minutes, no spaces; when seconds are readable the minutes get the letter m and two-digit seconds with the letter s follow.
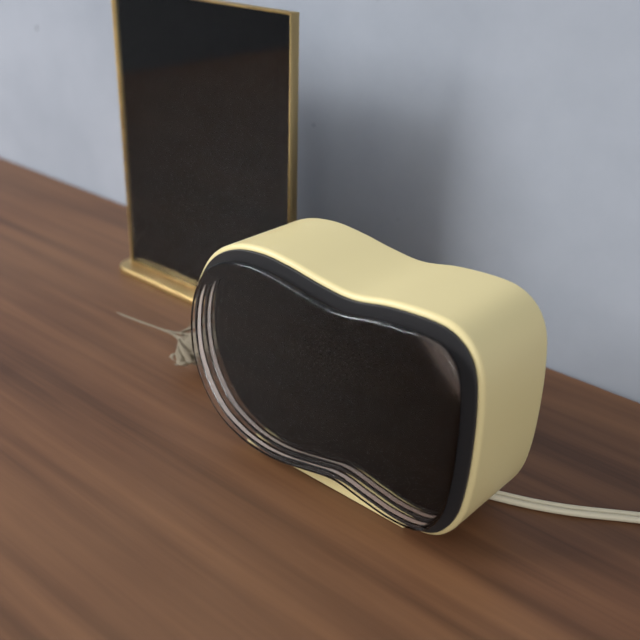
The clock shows 9h56m48s
